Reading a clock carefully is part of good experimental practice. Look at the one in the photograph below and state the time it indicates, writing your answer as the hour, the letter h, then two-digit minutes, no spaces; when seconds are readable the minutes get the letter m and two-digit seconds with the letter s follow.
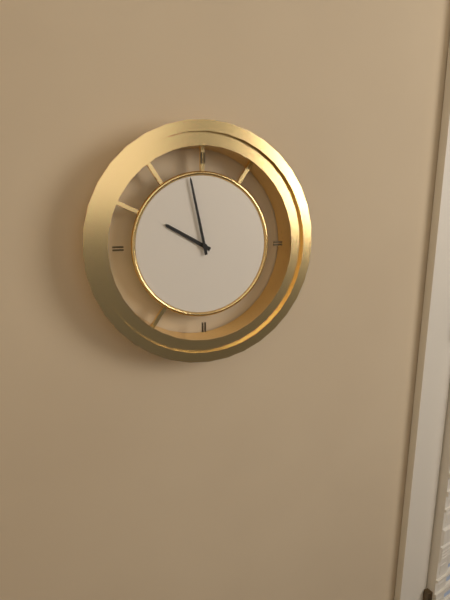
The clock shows 9h58
